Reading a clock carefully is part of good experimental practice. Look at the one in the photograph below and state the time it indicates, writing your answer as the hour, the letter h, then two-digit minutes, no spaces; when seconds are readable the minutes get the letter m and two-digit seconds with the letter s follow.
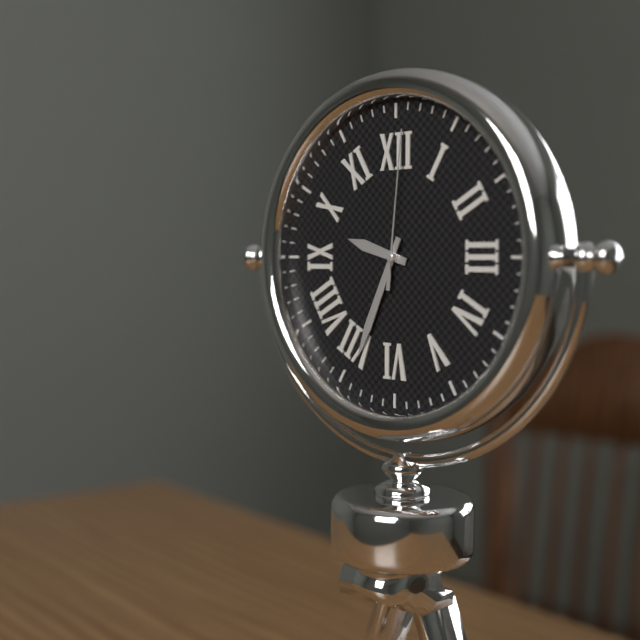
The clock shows 9h34m01s
